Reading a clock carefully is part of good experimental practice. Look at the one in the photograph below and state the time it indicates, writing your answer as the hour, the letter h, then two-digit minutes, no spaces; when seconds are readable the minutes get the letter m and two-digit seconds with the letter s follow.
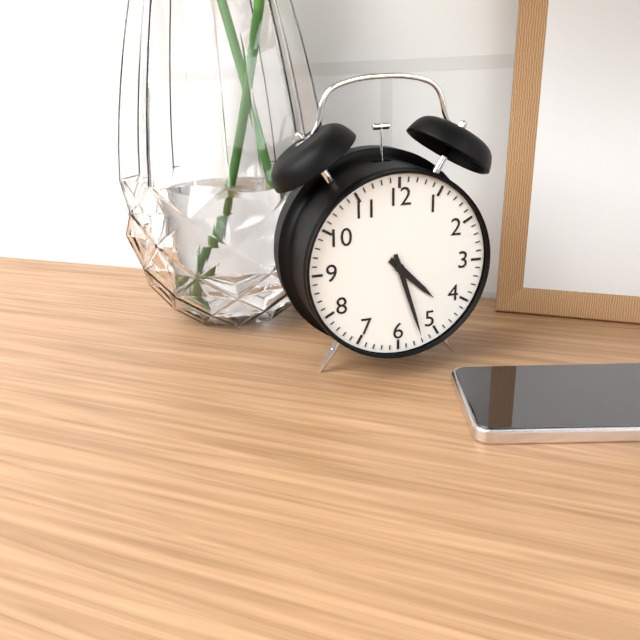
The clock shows 4h27
